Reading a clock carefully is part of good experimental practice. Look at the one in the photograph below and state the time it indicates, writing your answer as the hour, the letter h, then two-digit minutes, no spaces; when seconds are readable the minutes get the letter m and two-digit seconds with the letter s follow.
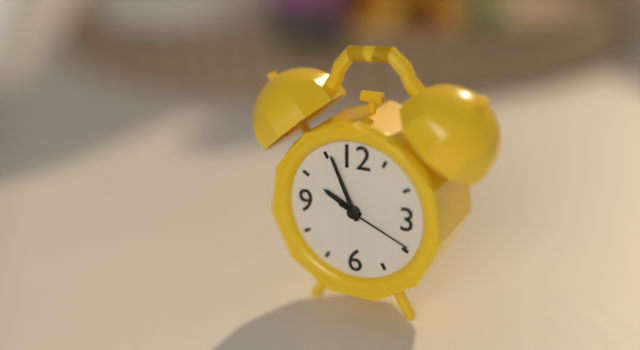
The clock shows 9h56m19s
